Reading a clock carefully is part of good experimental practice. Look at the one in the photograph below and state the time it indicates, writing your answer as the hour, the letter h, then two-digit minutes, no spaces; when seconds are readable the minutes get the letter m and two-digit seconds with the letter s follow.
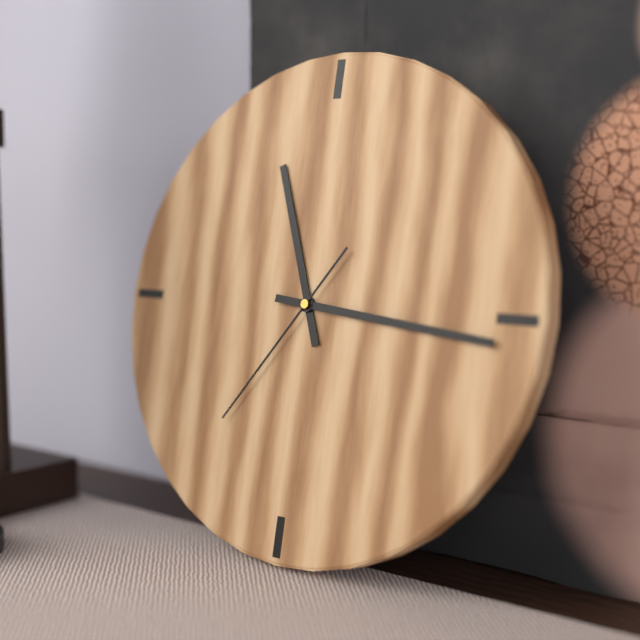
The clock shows 11h16m36s
